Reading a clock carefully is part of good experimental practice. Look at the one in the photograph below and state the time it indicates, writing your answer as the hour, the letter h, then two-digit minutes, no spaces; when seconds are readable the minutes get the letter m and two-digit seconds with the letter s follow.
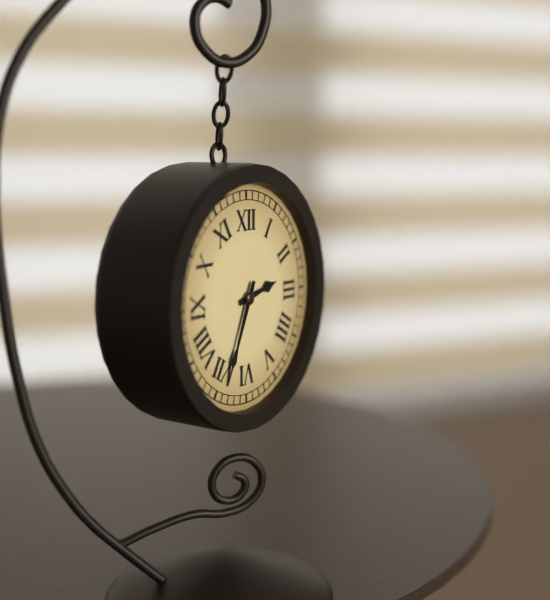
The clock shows 2h34
